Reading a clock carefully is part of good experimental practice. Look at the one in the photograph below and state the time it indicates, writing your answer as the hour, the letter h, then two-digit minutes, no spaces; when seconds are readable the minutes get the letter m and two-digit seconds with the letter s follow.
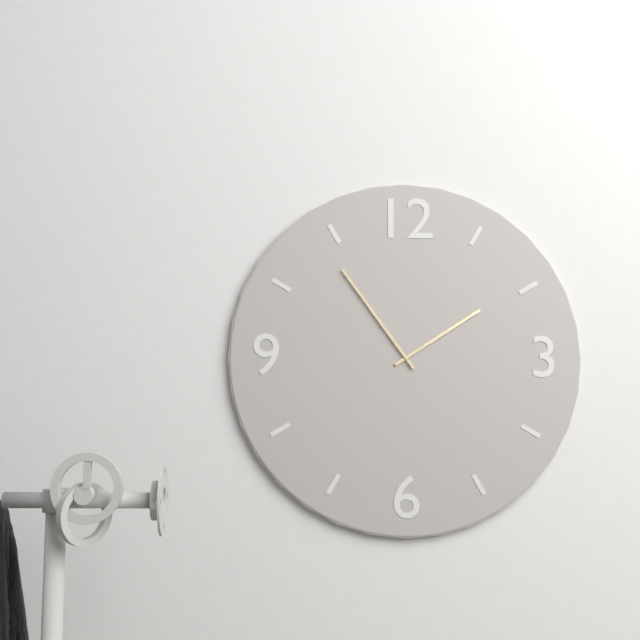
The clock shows 1h54
